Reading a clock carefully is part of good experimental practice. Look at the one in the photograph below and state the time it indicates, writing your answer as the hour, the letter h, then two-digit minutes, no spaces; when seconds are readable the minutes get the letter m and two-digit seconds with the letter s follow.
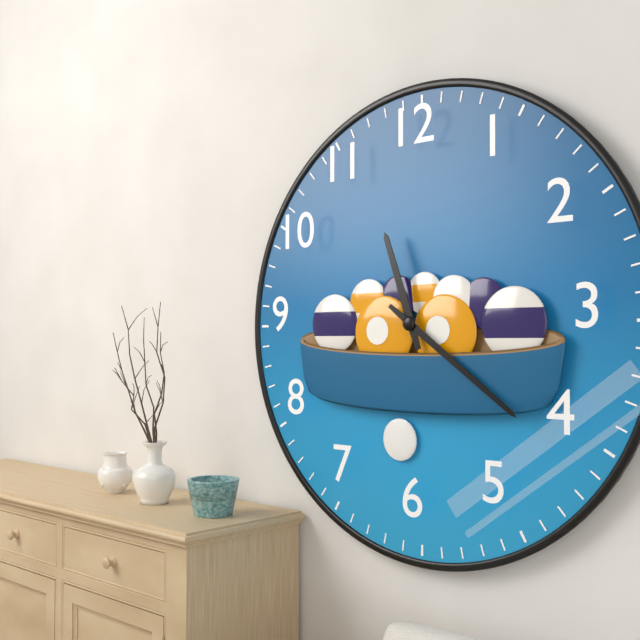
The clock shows 11h21
